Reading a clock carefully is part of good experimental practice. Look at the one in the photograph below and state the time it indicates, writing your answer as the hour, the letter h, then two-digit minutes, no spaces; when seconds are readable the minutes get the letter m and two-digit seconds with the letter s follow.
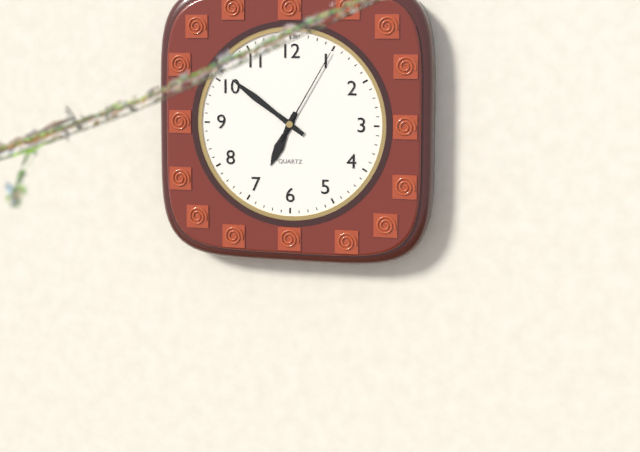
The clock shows 6h51m05s
